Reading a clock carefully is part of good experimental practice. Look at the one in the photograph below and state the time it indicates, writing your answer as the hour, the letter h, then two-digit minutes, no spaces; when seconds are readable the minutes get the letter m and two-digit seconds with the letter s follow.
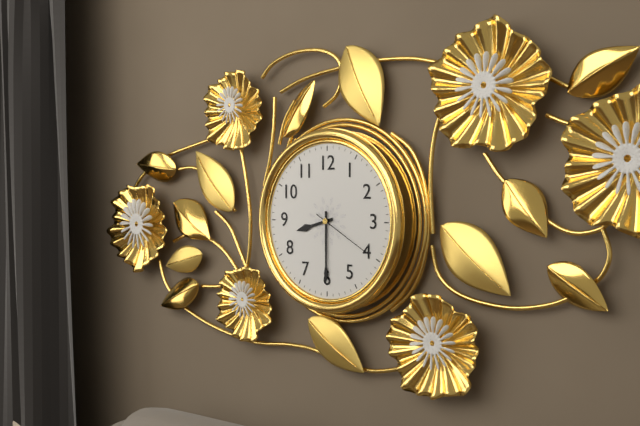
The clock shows 8h30m20s
